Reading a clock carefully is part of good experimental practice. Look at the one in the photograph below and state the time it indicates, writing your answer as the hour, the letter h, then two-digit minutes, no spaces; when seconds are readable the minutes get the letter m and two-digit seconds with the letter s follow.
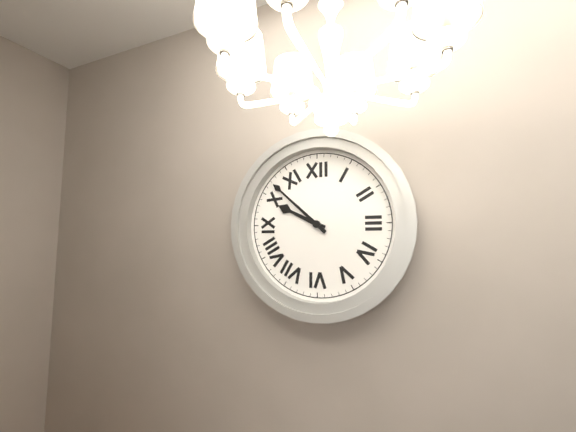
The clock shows 9h52
